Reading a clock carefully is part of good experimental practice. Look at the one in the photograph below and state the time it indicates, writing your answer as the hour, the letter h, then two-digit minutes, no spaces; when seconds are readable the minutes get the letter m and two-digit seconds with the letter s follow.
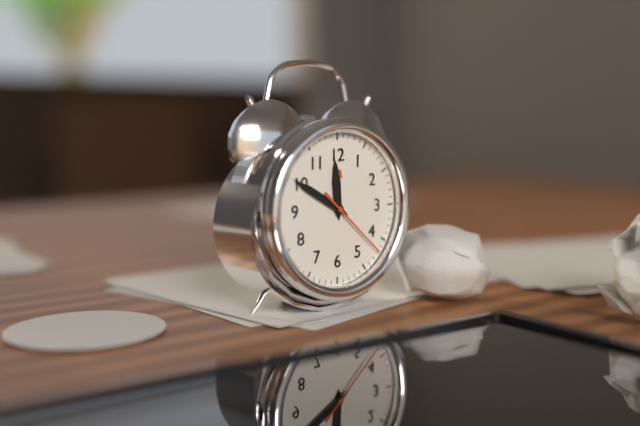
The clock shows 11h50m22s
